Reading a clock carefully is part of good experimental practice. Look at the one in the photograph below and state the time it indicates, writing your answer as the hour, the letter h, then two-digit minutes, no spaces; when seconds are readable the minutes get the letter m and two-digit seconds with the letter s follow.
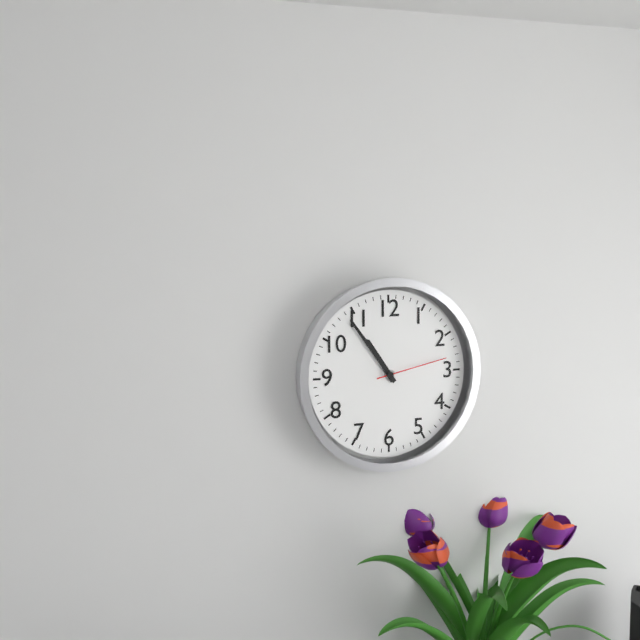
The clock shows 10h54m13s
